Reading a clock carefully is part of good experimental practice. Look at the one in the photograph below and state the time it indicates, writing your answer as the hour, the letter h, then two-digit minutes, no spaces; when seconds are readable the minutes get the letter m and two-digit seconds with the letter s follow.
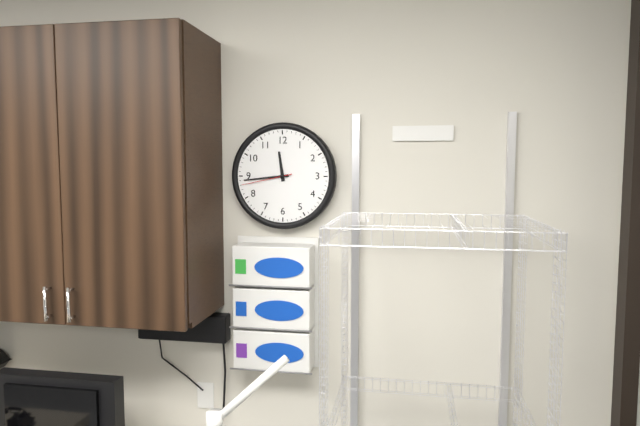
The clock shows 11h44m43s
